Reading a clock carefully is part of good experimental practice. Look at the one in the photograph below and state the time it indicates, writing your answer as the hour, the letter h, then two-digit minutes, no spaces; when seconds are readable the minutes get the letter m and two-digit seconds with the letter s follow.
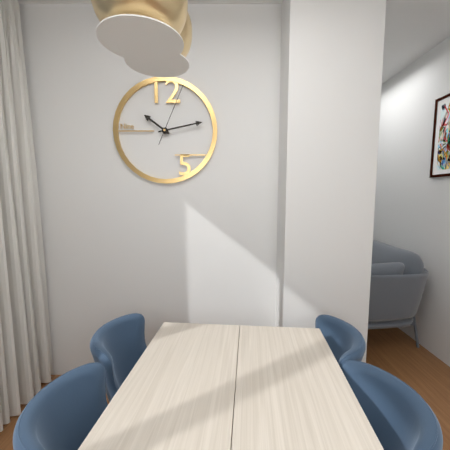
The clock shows 10h13m04s
